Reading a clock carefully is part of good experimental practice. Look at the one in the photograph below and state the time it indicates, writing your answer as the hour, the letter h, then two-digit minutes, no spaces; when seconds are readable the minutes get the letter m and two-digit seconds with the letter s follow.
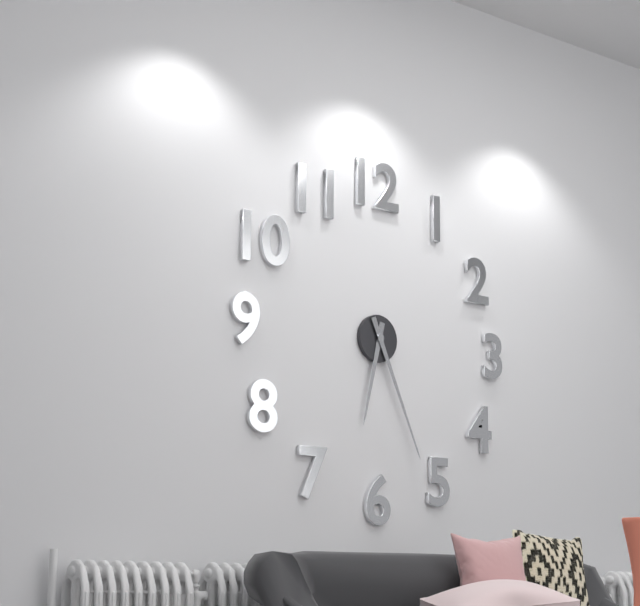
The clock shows 6h26
